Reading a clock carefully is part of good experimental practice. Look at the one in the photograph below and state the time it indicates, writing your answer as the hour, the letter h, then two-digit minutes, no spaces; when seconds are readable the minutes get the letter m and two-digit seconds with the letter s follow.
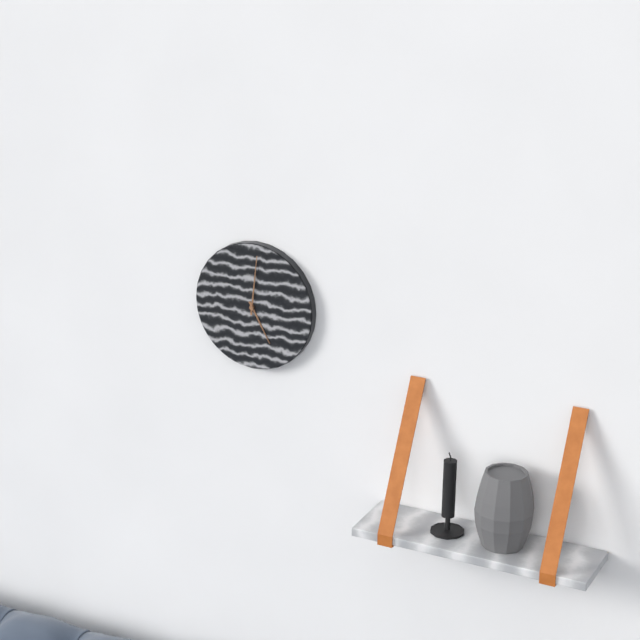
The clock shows 5h01
